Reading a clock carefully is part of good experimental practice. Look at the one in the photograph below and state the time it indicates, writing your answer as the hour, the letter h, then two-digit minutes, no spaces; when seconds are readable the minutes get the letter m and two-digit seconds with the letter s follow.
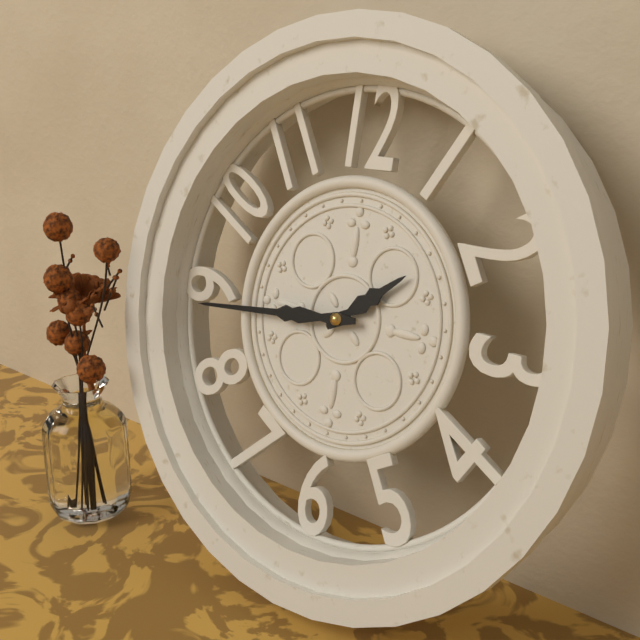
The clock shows 1h44
